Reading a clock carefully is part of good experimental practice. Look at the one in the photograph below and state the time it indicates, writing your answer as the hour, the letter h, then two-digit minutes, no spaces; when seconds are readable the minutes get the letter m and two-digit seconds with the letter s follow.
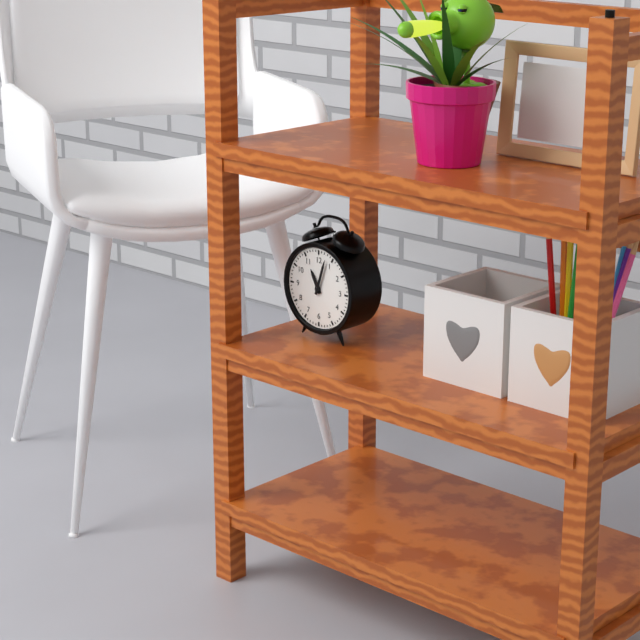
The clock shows 11h03
